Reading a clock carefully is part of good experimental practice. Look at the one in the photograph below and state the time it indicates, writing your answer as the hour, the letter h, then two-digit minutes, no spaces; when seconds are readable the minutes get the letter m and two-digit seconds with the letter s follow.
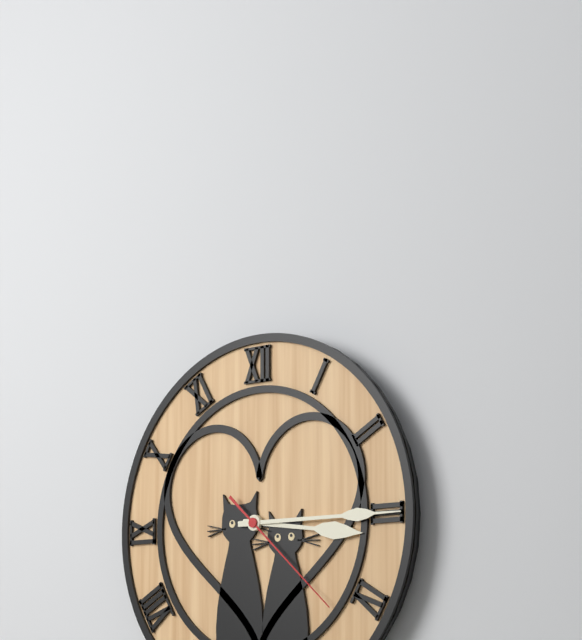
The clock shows 3h15m22s
